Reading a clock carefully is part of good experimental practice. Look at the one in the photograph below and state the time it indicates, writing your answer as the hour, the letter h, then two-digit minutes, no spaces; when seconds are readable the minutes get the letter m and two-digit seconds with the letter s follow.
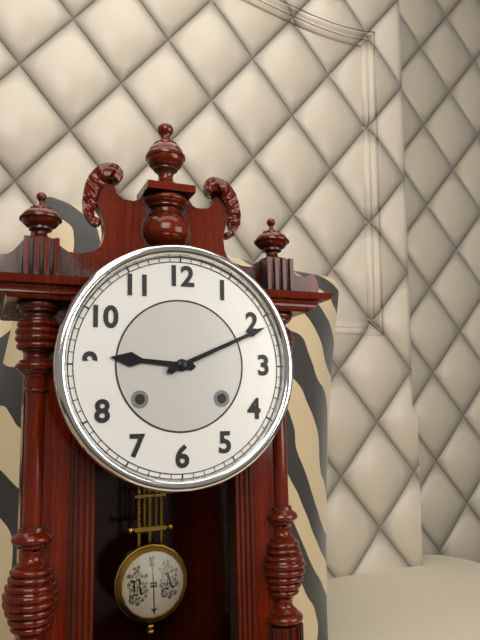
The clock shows 9h11
